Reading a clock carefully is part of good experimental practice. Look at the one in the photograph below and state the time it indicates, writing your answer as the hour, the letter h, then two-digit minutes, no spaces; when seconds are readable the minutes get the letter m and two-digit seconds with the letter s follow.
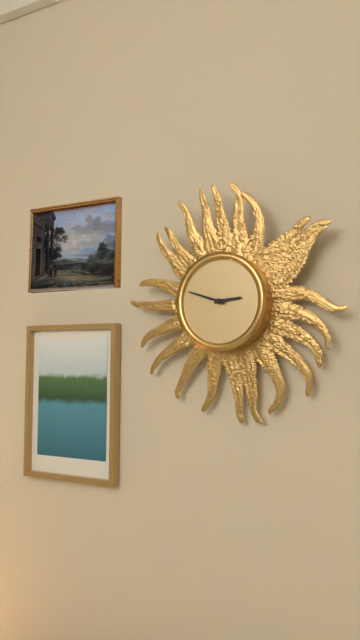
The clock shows 2h48
